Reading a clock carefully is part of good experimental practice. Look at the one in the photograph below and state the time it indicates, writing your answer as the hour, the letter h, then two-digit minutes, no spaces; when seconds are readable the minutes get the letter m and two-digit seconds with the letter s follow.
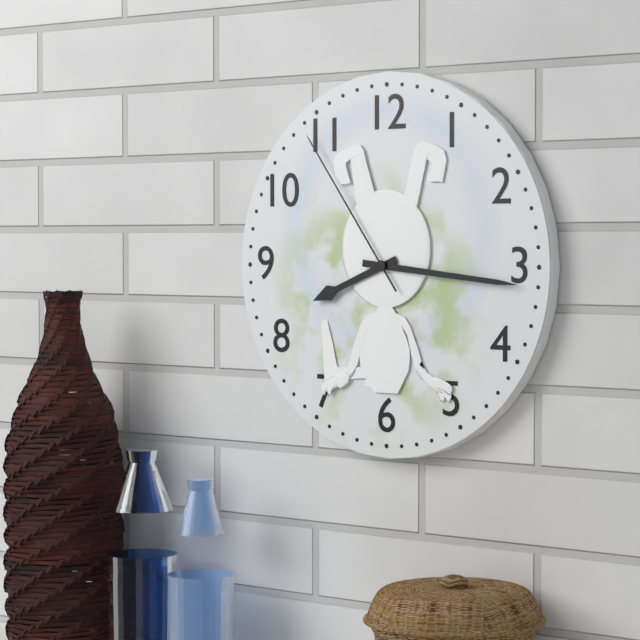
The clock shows 8h16m54s
